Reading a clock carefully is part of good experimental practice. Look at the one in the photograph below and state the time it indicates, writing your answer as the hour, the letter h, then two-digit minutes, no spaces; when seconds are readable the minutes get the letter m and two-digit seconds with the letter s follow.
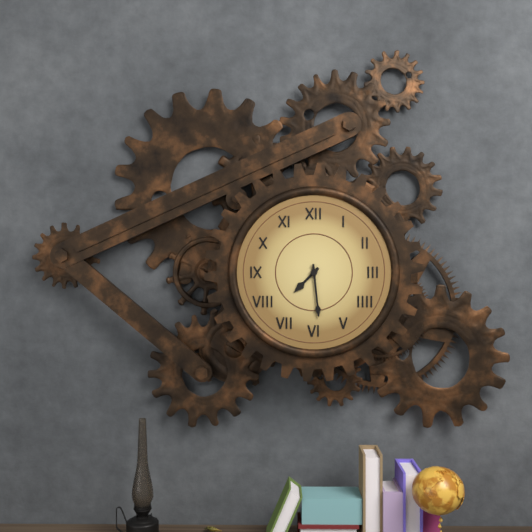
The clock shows 7h29
